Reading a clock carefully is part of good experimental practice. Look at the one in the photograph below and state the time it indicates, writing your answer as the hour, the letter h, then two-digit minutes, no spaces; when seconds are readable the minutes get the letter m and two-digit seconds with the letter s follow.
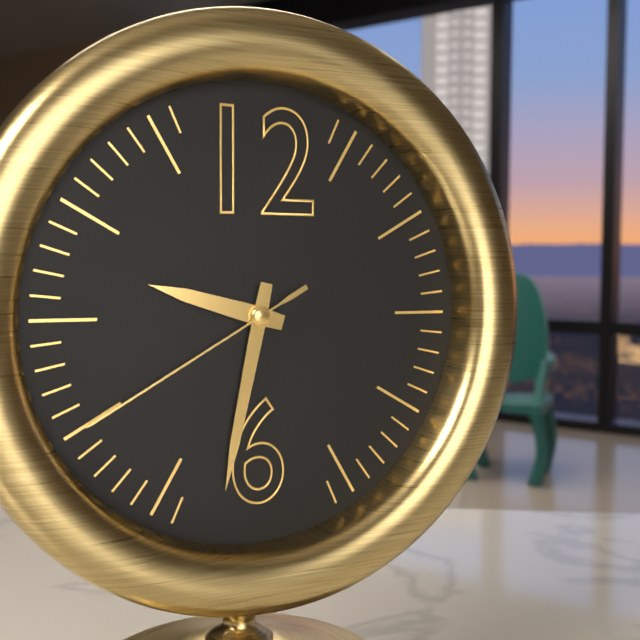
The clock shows 9h32m40s
